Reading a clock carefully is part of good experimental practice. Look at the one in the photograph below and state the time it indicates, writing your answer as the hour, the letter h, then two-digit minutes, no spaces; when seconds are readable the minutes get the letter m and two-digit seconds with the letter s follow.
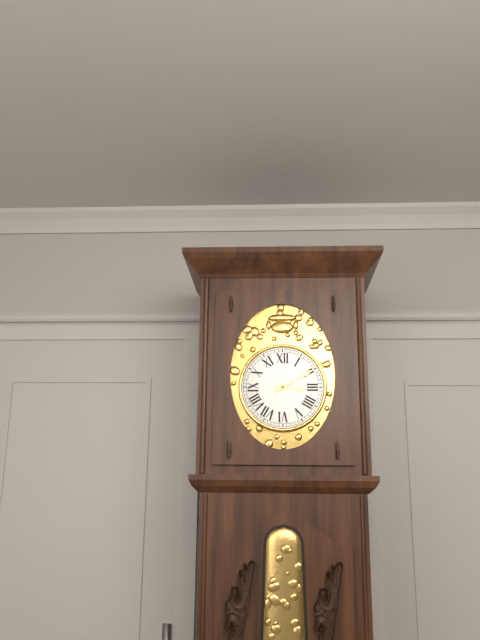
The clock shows 3h10
